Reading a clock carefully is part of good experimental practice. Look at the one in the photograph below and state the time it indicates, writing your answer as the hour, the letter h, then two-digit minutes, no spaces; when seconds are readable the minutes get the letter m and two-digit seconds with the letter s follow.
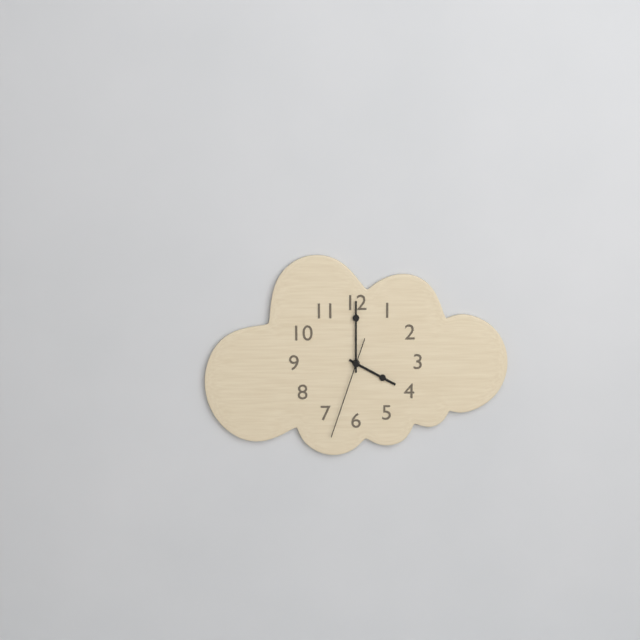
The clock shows 4h00m33s
